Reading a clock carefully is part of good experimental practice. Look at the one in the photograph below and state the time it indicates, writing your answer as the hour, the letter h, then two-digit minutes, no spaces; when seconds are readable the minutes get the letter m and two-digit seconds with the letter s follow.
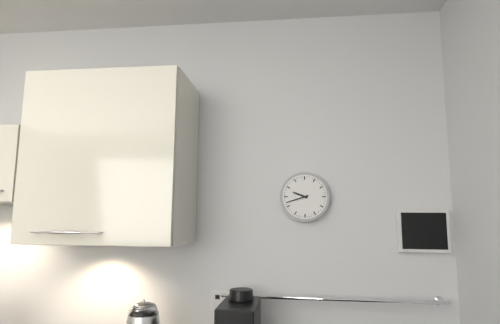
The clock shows 9h42
